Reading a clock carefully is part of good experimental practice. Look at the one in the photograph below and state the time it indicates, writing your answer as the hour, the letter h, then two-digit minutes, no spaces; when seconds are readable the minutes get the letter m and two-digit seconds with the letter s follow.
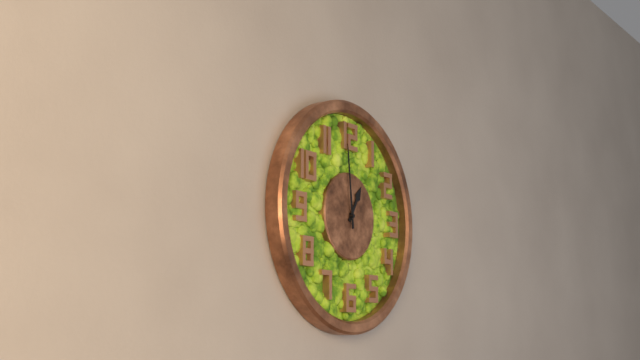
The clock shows 12h59
